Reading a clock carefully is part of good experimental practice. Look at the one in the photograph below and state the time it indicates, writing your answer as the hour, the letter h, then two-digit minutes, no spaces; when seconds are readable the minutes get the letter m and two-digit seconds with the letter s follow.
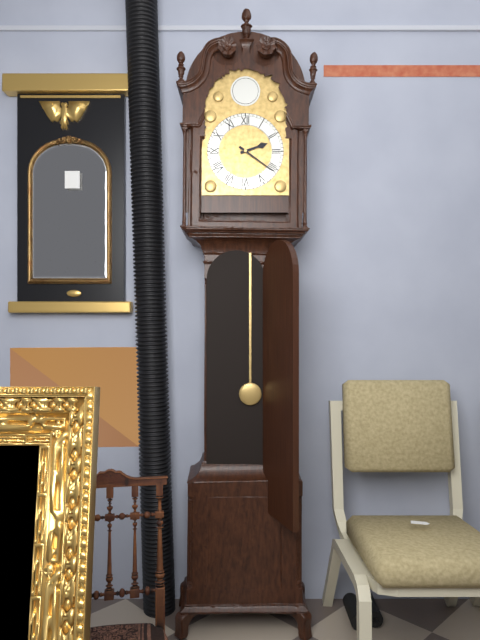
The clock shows 2h21
